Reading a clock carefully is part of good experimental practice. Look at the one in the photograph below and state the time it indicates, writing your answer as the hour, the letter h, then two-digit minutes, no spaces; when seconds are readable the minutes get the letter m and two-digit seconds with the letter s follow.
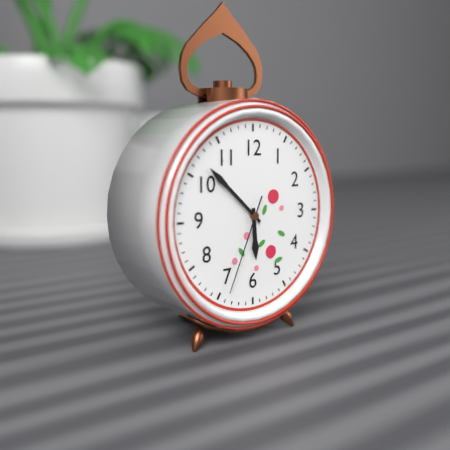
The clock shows 5h52m34s
